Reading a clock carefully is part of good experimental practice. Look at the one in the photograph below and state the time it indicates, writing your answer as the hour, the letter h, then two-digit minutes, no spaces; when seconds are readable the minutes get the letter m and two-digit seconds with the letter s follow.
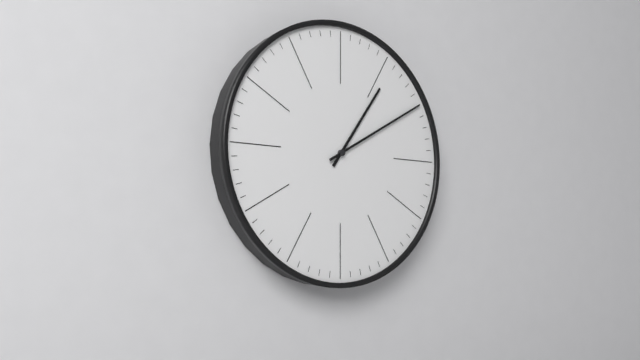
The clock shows 1h10
